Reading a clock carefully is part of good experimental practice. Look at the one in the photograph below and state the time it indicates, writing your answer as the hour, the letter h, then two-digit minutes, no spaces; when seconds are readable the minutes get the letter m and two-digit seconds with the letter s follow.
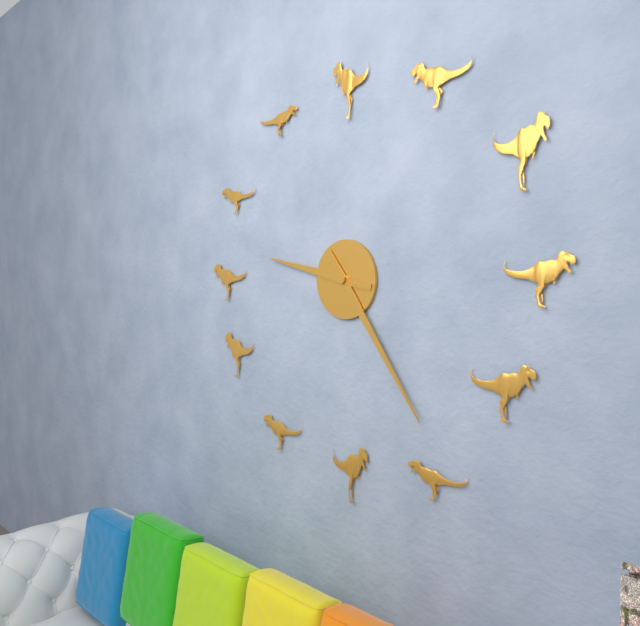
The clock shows 9h24
